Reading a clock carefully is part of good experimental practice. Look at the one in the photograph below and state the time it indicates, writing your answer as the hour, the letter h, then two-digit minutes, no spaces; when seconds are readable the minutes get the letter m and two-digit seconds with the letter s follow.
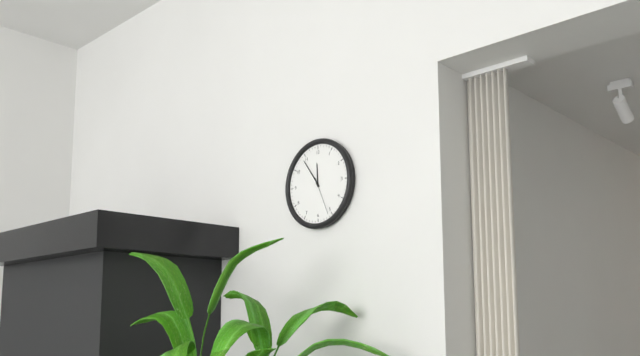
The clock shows 11h54
